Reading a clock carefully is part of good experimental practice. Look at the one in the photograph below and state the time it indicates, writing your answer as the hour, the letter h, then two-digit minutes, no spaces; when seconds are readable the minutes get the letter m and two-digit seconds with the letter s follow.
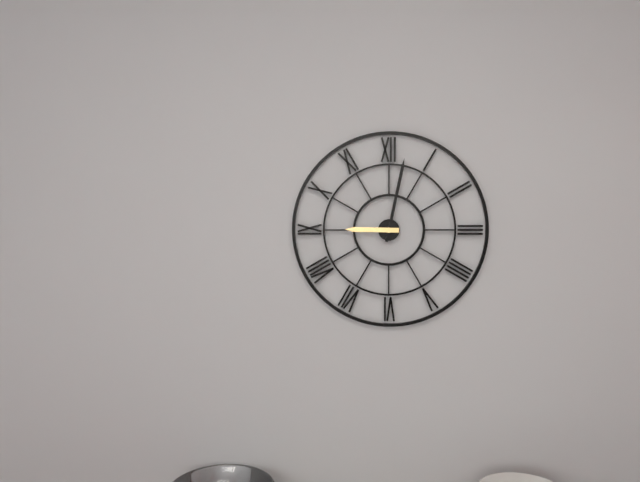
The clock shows 9h02
